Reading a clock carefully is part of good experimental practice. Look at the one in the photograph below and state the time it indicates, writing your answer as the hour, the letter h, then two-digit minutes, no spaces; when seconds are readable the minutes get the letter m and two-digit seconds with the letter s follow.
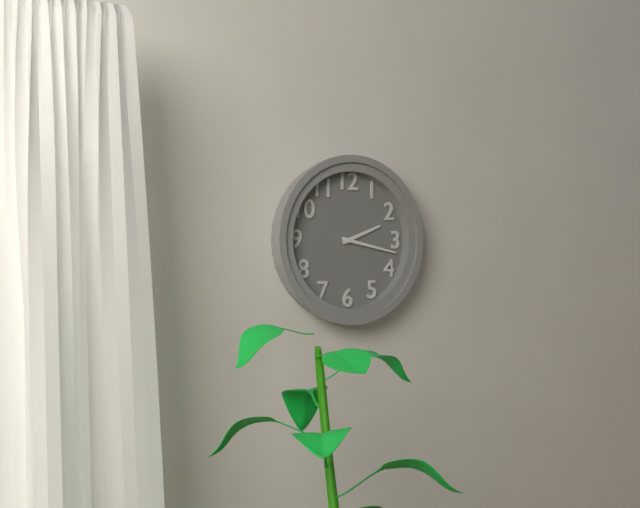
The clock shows 2h17
